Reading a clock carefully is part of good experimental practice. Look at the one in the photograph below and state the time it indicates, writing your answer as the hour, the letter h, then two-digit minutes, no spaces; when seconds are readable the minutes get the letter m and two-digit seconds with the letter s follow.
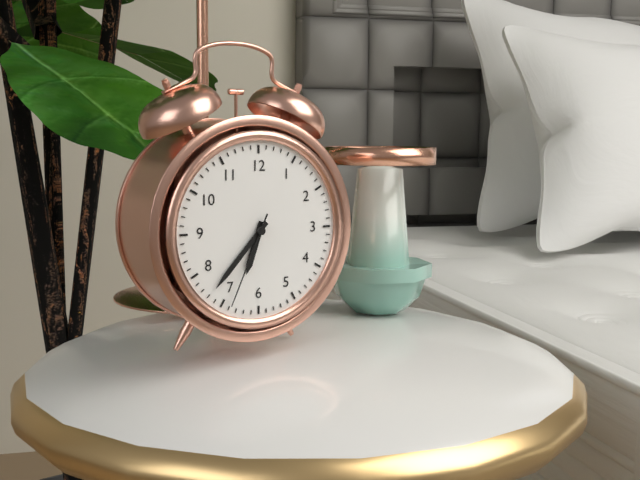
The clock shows 6h37m34s
